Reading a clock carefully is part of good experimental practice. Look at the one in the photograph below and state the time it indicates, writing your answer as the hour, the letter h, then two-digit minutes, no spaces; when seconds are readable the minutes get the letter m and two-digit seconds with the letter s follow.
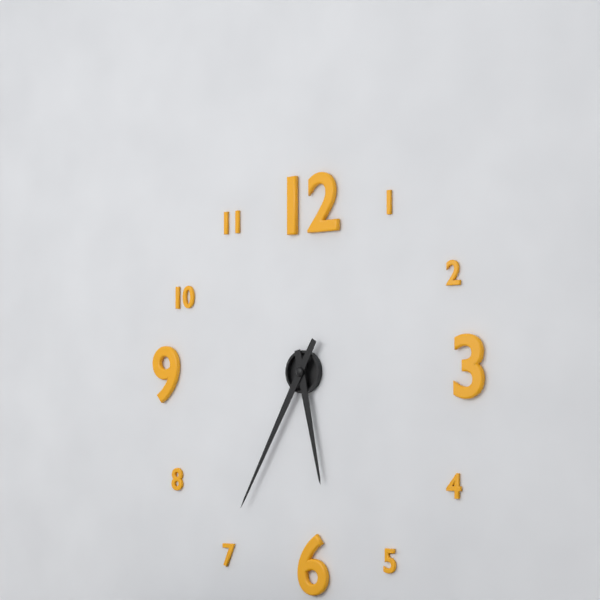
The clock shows 5h35
